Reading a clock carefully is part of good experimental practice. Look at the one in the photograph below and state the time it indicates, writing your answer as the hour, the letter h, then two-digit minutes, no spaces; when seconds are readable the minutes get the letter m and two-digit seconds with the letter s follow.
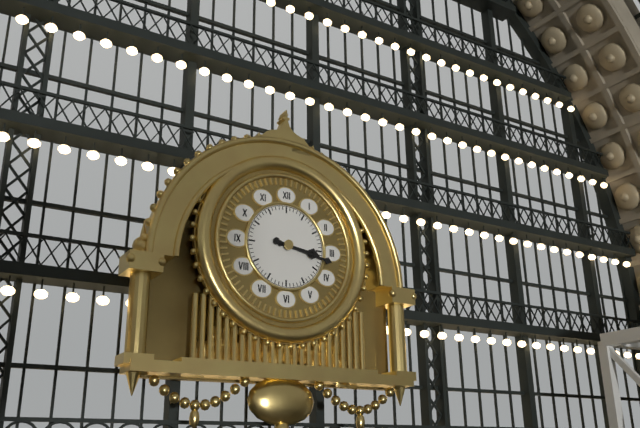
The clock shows 3h17
